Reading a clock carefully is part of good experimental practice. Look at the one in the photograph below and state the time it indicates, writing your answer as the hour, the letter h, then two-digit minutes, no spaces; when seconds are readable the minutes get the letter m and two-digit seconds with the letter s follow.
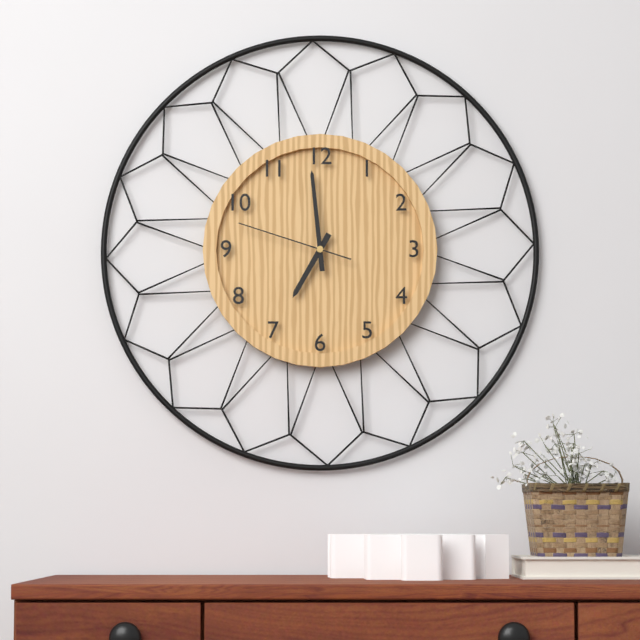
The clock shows 6h59m48s
